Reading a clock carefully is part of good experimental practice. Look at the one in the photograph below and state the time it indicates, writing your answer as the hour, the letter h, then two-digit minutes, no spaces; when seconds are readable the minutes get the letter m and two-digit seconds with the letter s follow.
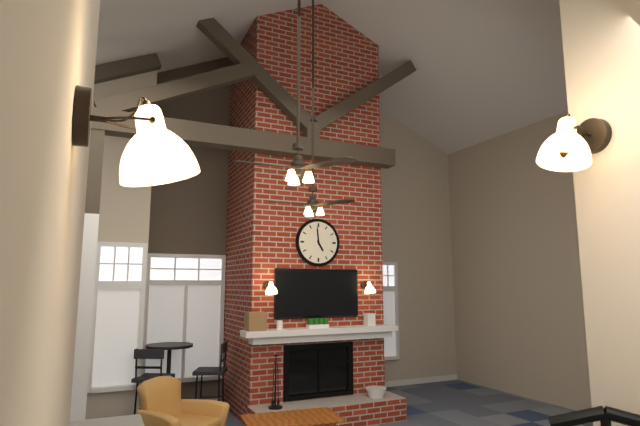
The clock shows 4h59
